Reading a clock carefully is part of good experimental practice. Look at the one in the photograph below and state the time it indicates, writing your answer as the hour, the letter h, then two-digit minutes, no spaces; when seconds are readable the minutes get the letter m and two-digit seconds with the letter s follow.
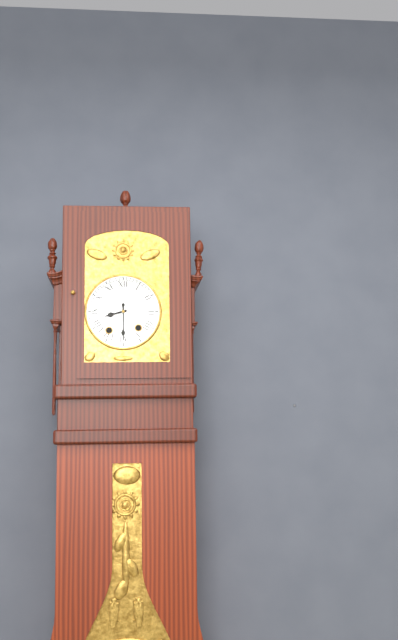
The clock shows 8h30
